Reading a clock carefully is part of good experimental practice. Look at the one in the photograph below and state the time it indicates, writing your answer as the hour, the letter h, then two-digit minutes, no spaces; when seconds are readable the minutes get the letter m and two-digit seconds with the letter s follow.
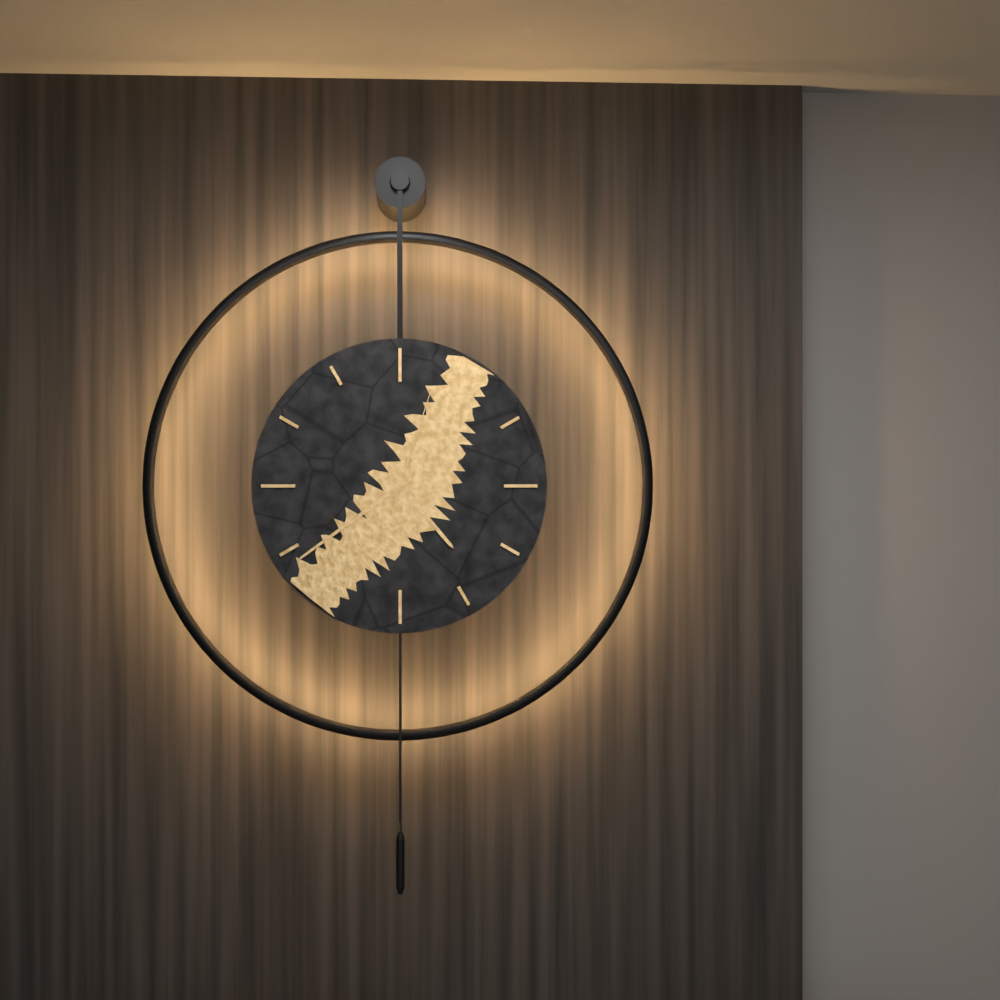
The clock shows 4h39m03s
